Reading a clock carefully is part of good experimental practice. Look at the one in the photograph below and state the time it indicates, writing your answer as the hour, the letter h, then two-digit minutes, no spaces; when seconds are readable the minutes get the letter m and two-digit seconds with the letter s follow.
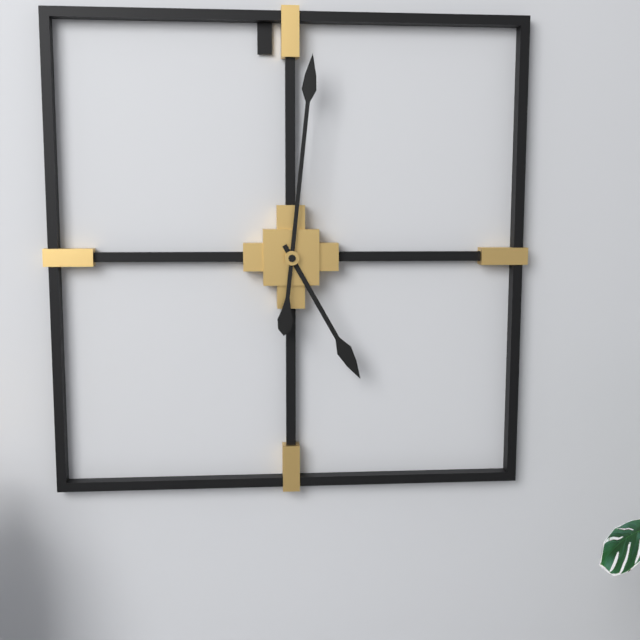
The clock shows 5h01
